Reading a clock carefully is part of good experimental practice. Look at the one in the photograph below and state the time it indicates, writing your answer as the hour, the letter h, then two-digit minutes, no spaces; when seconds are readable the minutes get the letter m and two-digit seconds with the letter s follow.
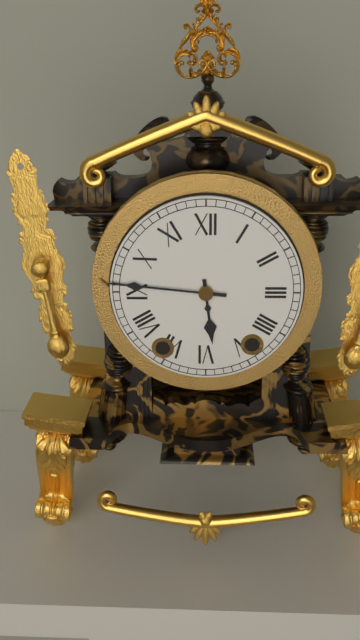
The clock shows 5h46
